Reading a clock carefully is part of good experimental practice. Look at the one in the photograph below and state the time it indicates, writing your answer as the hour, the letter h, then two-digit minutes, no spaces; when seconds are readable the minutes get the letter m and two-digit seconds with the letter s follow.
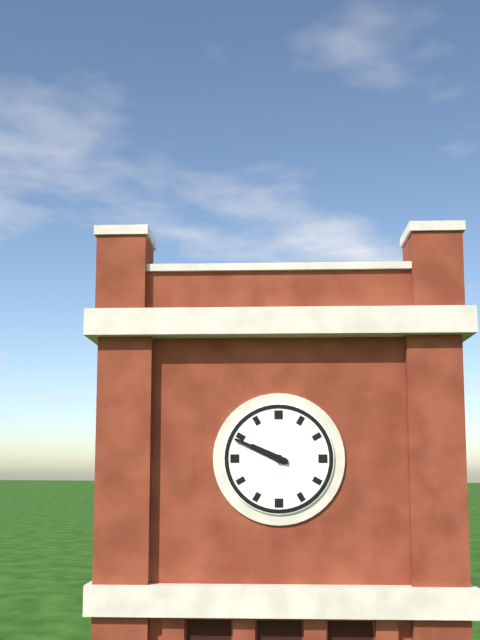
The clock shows 9h49
